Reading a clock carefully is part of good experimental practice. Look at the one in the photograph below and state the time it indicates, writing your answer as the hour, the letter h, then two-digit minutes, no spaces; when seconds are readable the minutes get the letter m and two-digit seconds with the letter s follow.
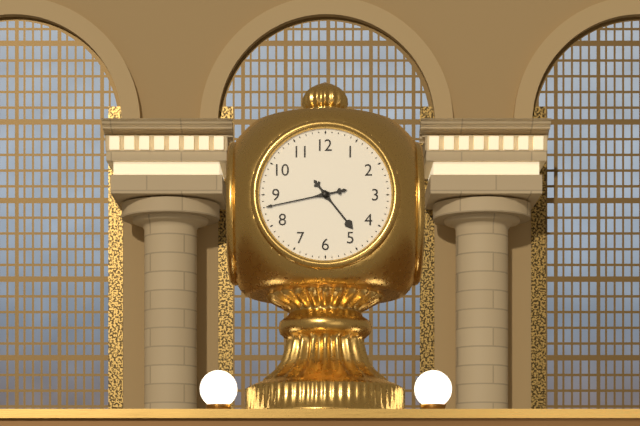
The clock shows 4h43
